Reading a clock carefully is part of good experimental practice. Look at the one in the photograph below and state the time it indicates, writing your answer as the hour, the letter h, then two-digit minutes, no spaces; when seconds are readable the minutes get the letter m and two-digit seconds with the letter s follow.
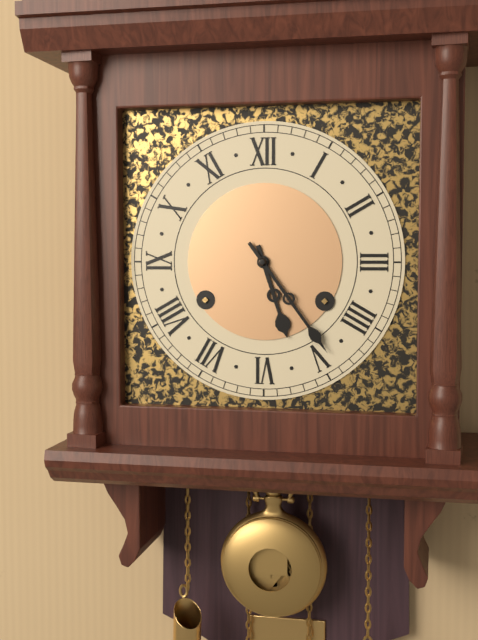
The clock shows 5h24
